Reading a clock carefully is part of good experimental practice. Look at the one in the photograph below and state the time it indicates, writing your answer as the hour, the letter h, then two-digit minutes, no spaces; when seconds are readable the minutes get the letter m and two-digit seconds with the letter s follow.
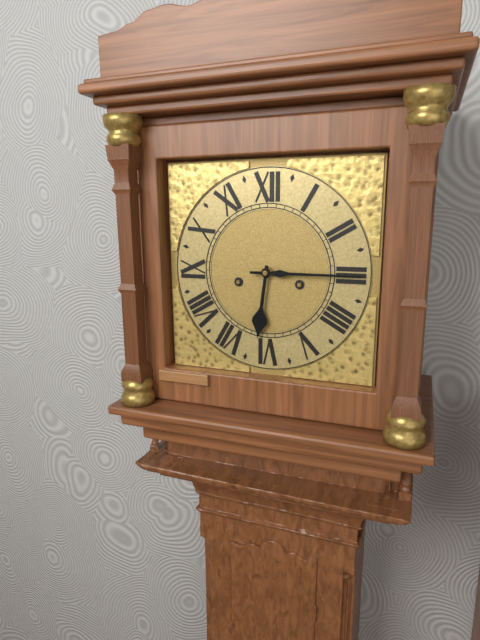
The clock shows 6h15
